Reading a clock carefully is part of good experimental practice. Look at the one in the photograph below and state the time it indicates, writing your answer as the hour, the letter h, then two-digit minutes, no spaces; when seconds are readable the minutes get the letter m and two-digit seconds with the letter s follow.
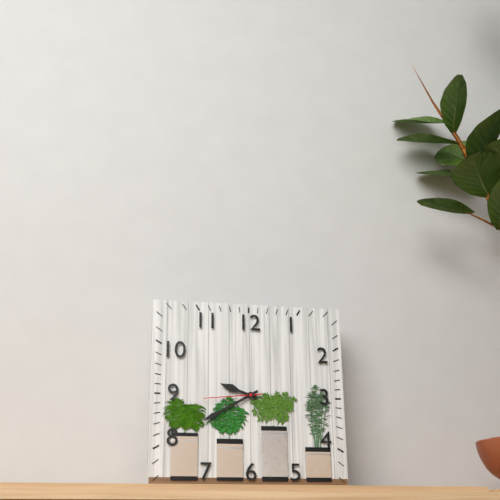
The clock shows 9h40m44s
